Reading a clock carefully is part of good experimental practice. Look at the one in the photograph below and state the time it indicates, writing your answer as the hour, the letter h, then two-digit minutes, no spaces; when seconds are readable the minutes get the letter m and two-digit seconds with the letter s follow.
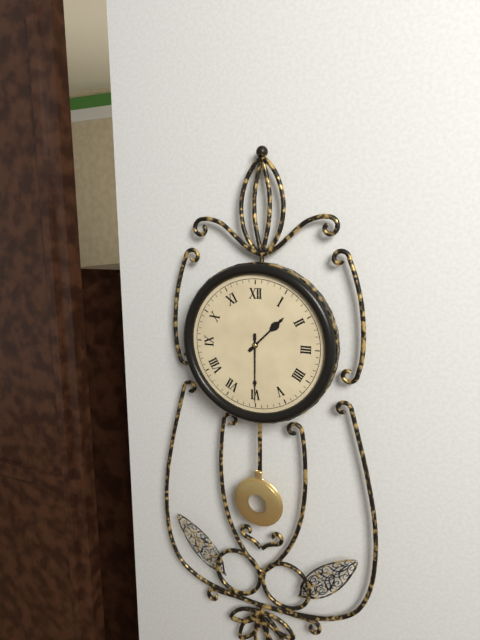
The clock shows 1h30
